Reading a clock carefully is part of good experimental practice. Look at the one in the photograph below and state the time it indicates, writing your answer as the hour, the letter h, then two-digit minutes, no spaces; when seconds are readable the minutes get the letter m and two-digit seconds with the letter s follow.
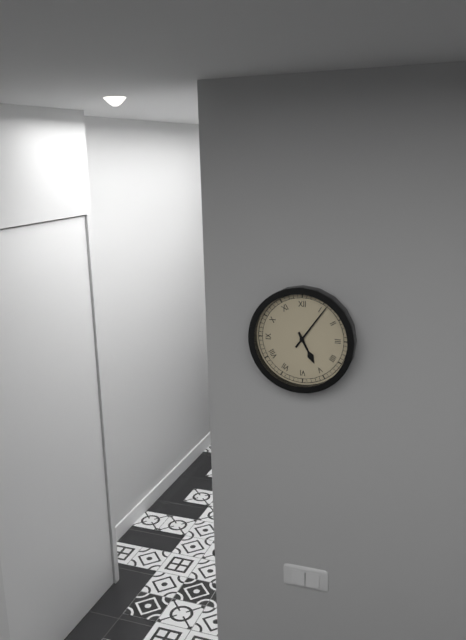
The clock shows 5h06
